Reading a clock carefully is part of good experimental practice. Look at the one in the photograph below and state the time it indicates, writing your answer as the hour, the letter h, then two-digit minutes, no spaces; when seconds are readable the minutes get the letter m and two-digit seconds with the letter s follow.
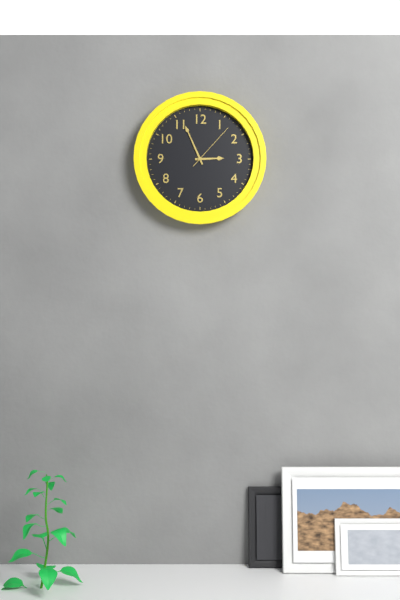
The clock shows 2h56m07s
